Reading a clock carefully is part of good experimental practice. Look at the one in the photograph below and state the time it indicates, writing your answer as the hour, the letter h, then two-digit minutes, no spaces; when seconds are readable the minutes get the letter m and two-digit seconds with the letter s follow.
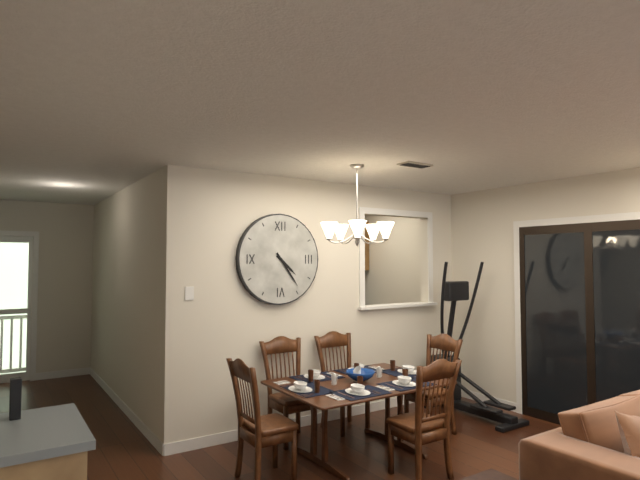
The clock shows 4h24
